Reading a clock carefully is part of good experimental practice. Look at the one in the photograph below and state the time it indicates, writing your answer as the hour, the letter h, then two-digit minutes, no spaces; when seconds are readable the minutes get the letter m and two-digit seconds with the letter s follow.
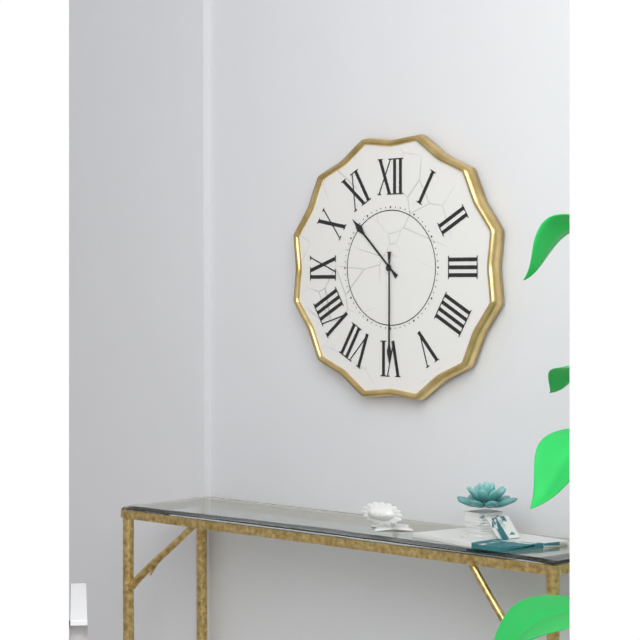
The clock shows 10h30
